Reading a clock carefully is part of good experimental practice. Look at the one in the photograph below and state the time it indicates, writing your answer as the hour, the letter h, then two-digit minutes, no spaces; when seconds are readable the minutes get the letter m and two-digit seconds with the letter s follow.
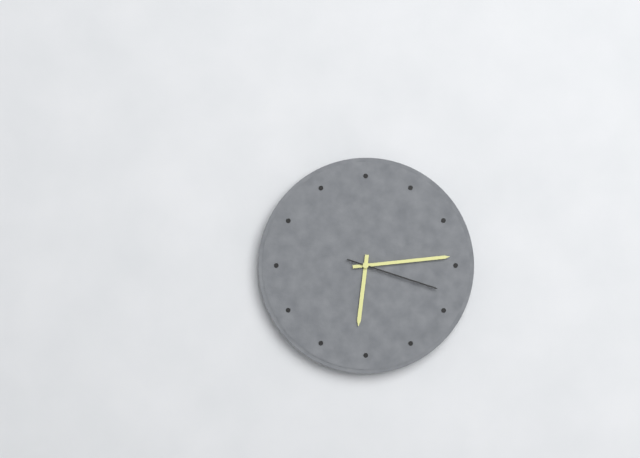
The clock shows 6h14m18s
